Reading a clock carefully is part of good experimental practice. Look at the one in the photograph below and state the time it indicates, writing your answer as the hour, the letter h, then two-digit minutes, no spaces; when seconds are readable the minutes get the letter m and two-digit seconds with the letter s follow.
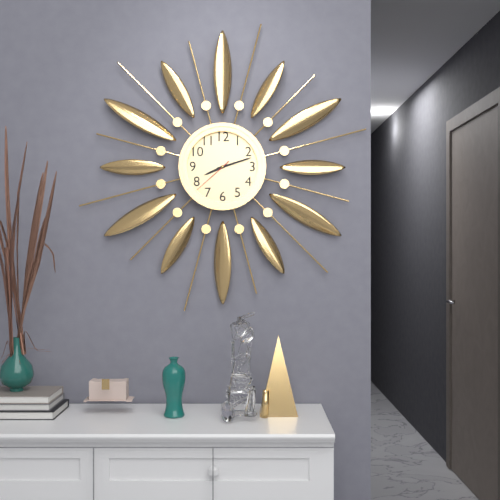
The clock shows 8h12
